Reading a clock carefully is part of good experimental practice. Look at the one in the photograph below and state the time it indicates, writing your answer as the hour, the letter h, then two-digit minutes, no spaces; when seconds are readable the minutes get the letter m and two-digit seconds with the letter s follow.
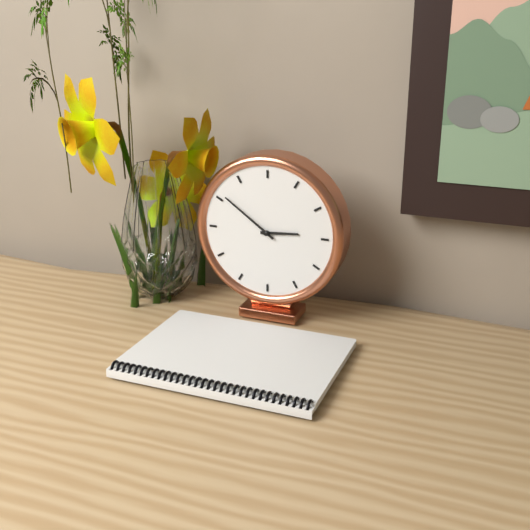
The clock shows 2h51
